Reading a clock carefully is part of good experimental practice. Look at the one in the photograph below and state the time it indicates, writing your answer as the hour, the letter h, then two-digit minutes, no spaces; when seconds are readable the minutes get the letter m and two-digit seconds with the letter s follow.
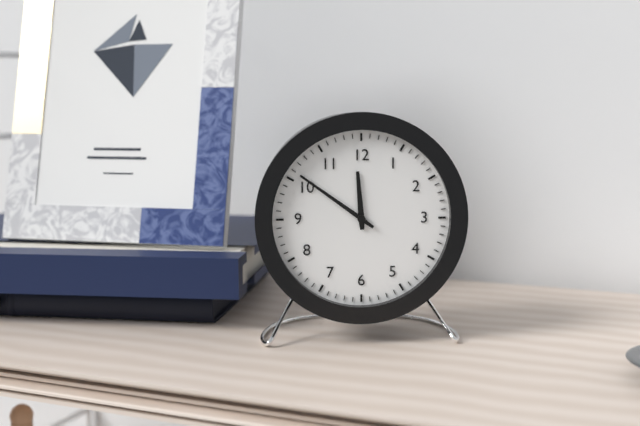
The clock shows 11h51
